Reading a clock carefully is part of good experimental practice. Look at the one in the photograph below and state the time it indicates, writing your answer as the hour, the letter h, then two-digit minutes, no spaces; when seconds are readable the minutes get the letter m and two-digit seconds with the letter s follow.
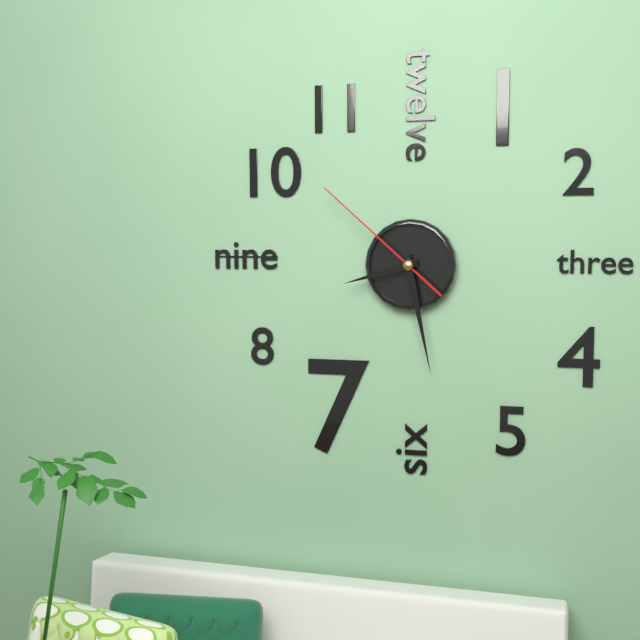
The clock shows 8h28m52s
